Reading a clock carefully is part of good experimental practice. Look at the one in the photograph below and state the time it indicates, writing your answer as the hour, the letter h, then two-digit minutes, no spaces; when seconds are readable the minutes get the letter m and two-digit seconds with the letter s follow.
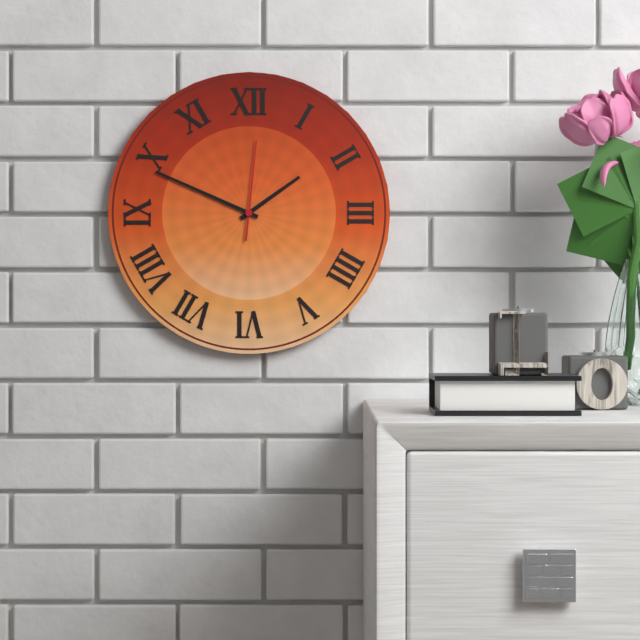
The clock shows 1h49m01s
